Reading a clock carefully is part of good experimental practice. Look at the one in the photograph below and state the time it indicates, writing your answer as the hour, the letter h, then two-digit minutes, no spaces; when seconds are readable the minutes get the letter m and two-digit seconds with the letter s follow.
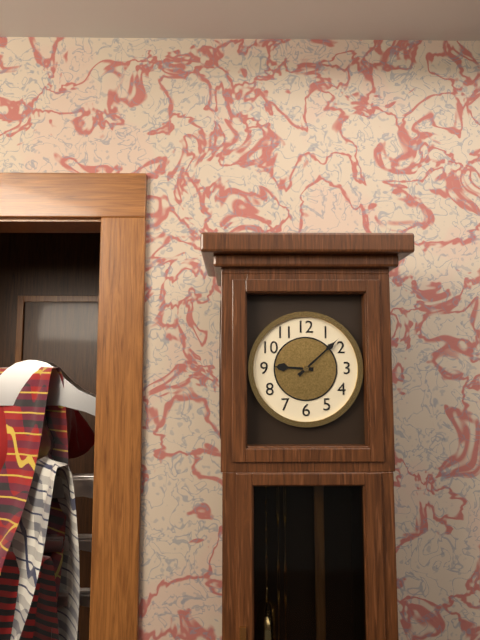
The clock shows 9h08
